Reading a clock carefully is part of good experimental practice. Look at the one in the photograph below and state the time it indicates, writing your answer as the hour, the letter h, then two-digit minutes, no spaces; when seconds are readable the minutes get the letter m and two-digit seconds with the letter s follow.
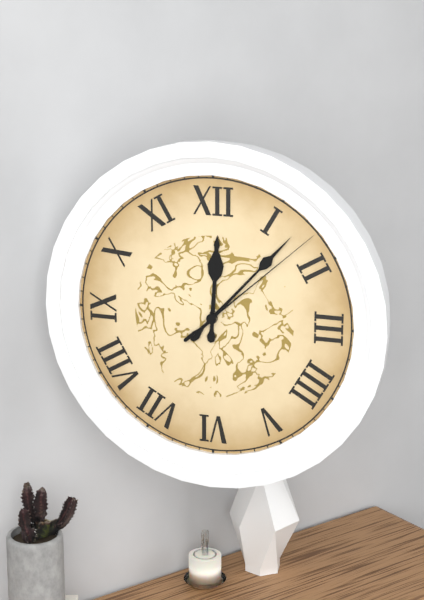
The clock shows 12h07m08s
